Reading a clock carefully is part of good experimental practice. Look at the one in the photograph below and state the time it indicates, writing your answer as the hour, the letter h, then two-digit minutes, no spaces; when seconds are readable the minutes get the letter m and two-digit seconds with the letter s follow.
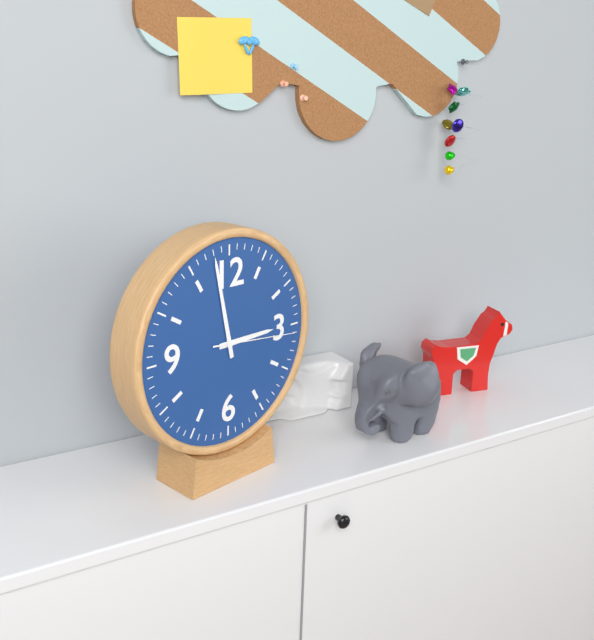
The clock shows 2h58m16s
